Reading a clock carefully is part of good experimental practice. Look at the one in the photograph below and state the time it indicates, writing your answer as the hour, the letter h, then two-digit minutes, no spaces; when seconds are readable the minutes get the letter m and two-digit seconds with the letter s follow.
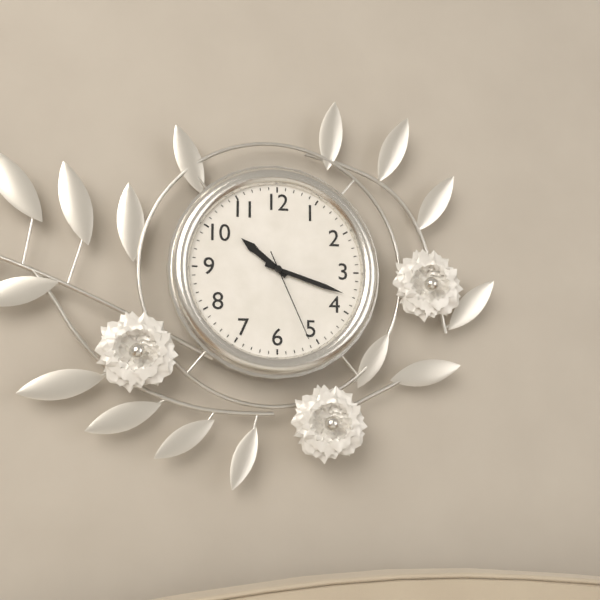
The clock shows 10h18m26s
